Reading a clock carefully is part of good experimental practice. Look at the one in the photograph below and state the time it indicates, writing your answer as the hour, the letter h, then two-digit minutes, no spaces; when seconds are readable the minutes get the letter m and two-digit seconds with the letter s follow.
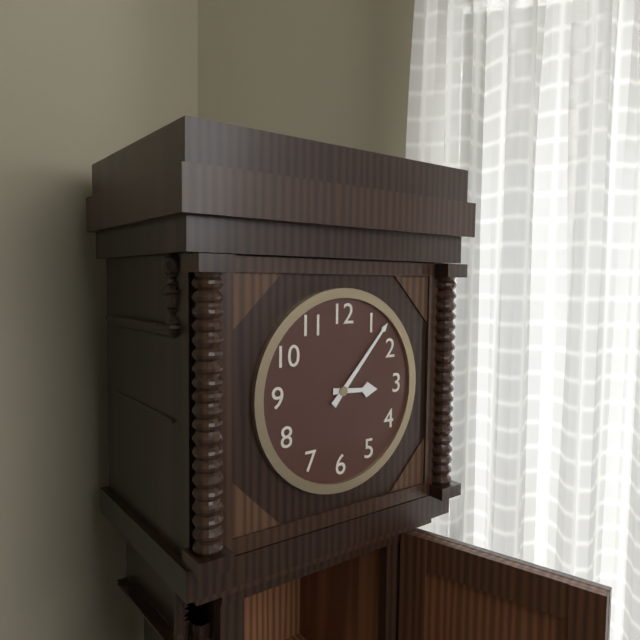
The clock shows 3h07
